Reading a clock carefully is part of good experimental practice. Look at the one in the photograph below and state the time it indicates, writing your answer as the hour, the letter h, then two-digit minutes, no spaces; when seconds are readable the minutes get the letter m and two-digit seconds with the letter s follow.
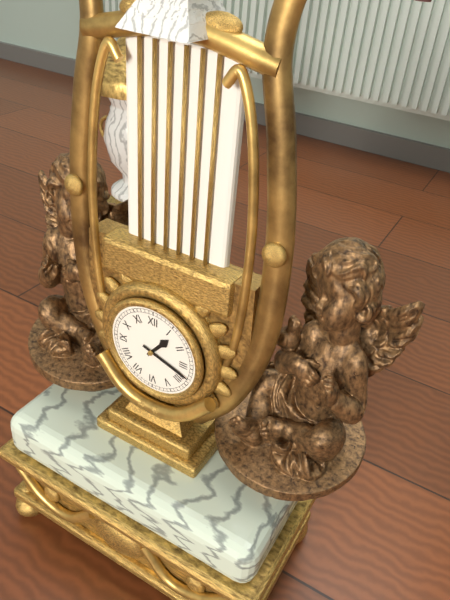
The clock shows 1h18
